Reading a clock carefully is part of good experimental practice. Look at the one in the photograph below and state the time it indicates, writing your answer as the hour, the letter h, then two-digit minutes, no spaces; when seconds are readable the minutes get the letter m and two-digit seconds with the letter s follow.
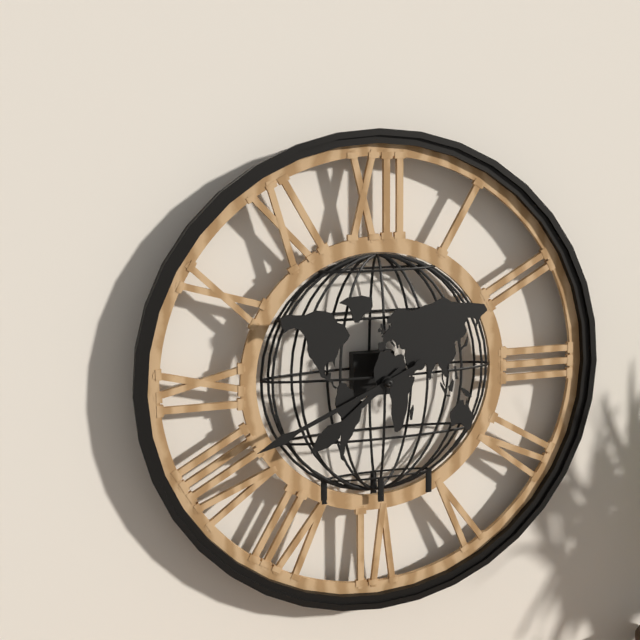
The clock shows 7h41
